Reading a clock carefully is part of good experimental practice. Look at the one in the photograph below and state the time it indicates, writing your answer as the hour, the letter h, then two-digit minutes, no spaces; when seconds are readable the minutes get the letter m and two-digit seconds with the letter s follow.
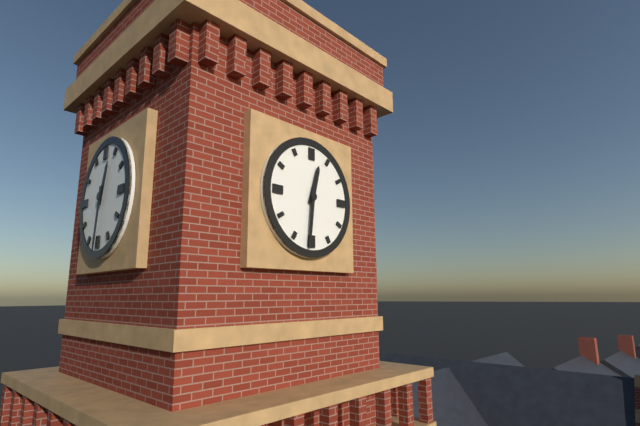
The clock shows 12h31
